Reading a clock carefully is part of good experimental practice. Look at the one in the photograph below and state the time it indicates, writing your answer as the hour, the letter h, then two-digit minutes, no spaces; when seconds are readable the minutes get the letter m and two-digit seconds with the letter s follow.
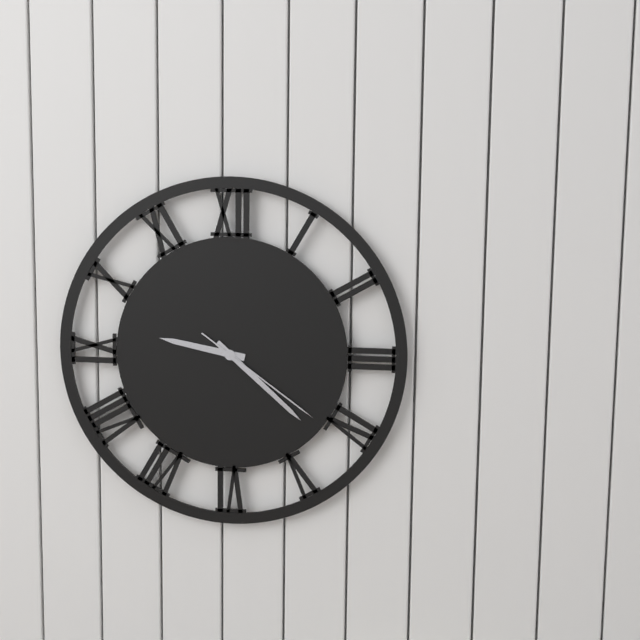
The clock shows 9h22m21s
